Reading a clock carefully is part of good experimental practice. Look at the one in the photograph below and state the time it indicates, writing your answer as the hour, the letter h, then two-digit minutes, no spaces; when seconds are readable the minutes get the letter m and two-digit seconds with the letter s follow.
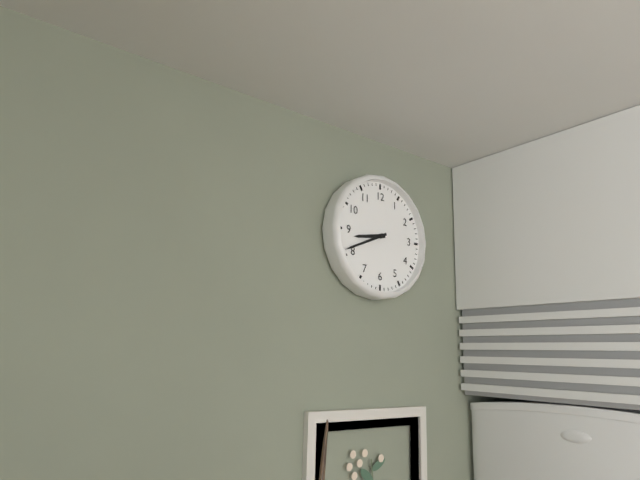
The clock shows 8h41
